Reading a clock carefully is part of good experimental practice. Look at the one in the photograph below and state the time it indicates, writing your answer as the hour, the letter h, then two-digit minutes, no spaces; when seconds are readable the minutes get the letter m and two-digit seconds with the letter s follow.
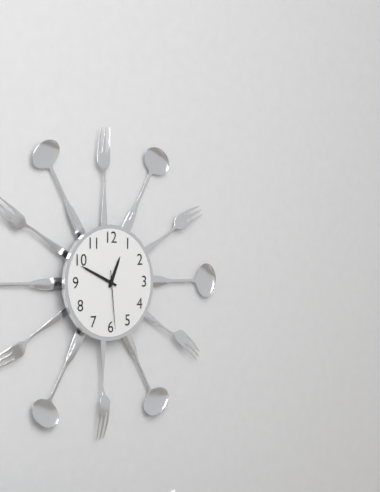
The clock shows 12h49m29s
